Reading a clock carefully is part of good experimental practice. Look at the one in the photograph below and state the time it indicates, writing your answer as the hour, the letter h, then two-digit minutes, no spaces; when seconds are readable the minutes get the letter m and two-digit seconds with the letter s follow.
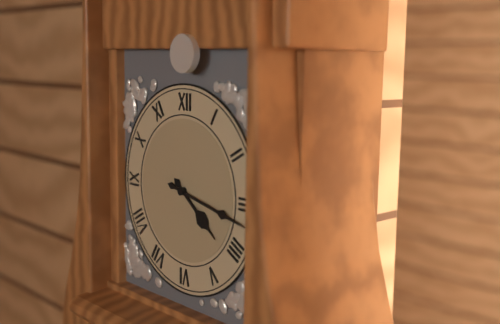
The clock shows 4h17
